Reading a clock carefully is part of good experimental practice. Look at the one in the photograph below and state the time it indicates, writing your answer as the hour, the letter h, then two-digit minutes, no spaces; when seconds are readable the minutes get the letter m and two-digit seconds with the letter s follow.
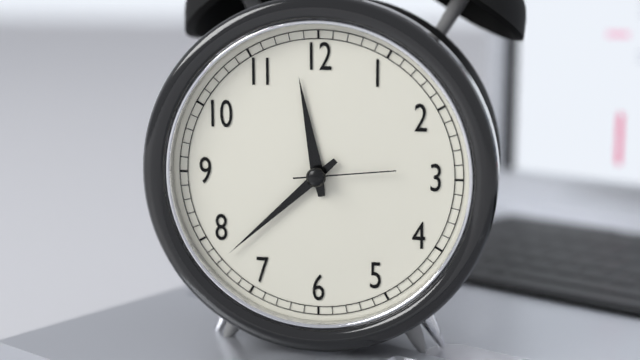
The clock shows 11h38m14s
